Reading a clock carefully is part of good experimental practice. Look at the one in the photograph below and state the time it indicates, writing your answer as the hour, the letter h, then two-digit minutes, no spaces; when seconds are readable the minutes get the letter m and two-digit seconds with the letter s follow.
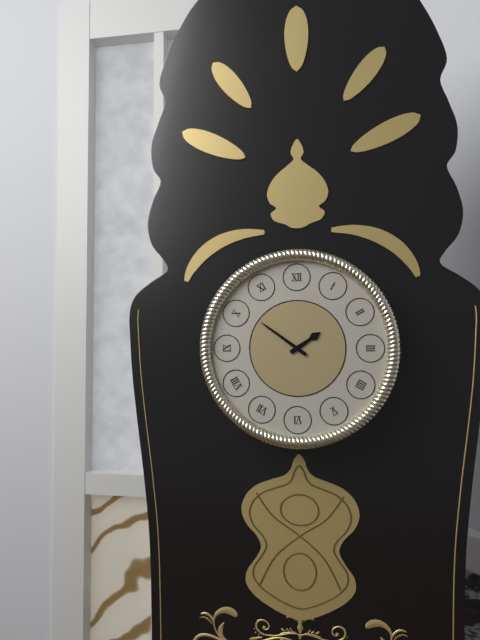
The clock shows 1h51
